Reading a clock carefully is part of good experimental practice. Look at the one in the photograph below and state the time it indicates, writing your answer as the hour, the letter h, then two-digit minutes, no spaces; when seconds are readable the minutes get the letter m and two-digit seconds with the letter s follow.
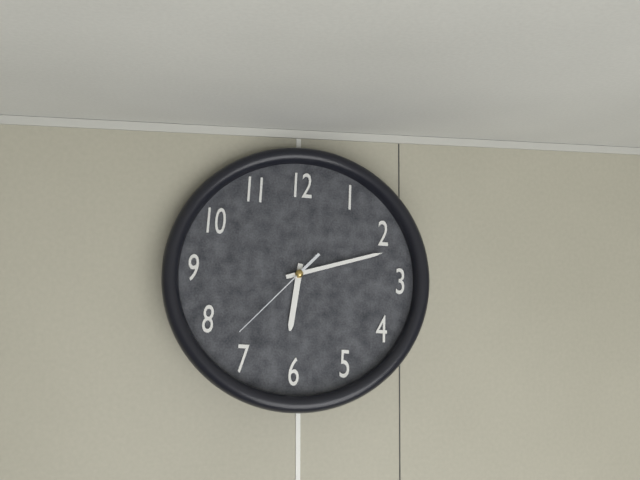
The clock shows 6h12m37s
